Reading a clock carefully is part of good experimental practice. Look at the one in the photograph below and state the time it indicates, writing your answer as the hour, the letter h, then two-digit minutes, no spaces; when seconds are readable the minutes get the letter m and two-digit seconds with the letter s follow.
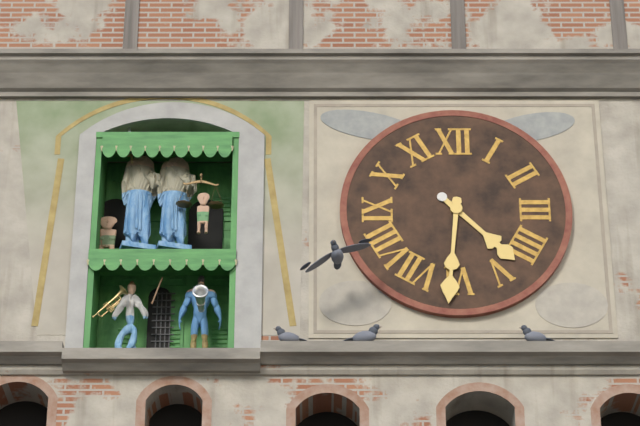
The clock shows 4h31
